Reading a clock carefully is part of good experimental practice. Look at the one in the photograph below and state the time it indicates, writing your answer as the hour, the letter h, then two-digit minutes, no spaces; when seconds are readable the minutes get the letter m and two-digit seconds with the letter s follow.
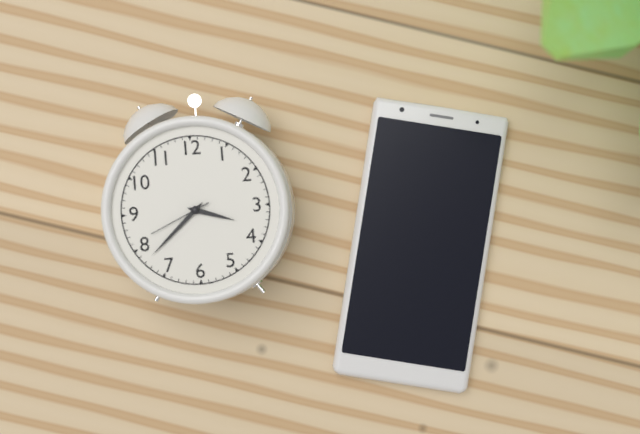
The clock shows 3h38m41s
